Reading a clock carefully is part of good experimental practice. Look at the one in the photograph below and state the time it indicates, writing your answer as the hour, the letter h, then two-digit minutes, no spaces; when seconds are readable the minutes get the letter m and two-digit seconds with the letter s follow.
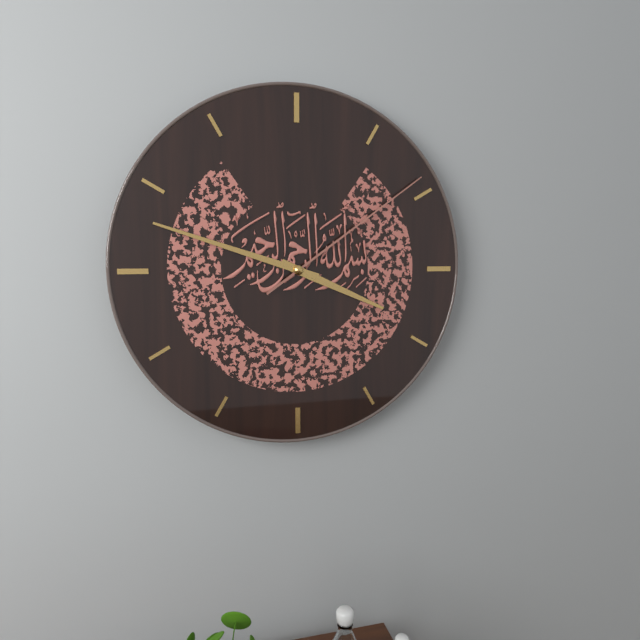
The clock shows 3h48m09s
